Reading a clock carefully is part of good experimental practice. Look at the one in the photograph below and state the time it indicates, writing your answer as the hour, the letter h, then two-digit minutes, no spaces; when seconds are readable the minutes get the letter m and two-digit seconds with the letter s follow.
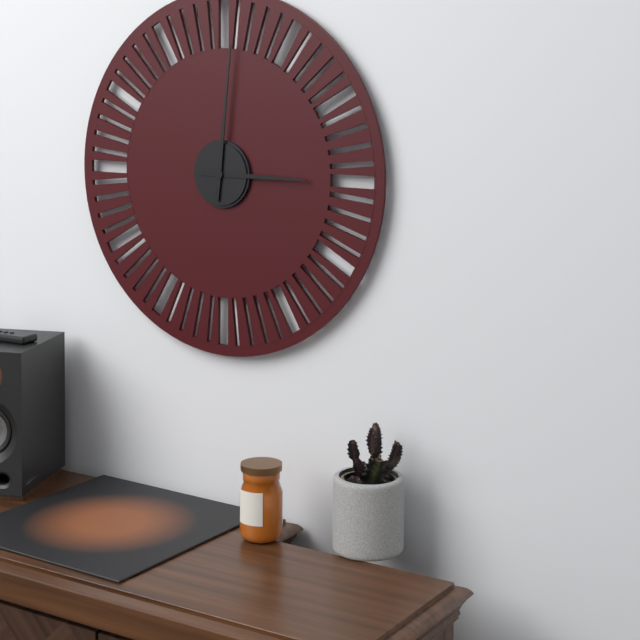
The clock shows 3h01
